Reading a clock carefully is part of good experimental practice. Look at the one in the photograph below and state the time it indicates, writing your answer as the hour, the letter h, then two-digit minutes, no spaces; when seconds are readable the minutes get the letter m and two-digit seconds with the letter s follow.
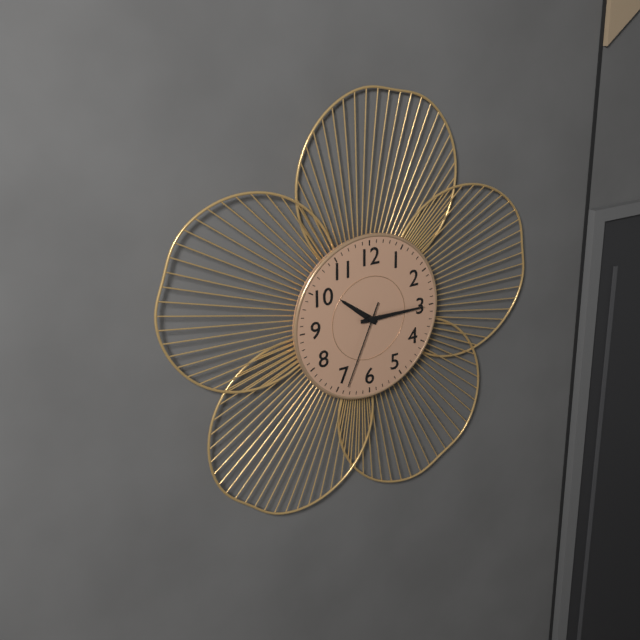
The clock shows 10h15m34s
